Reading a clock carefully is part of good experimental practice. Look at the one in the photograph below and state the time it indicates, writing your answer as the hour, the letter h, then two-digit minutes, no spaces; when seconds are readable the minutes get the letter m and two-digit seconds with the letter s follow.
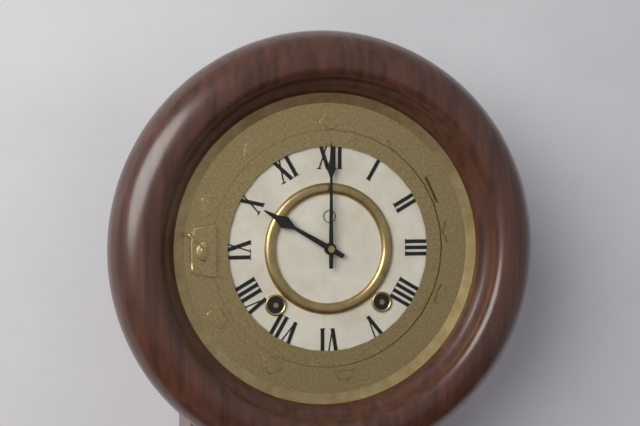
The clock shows 10h00
